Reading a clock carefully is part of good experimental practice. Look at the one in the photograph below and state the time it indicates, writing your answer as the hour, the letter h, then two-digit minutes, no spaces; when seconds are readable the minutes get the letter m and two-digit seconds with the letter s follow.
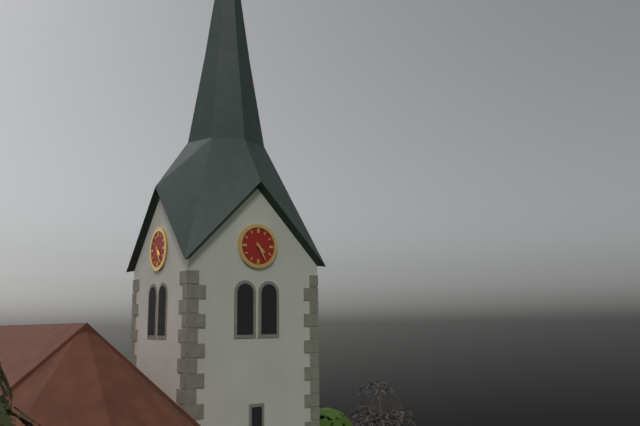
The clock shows 4h25
